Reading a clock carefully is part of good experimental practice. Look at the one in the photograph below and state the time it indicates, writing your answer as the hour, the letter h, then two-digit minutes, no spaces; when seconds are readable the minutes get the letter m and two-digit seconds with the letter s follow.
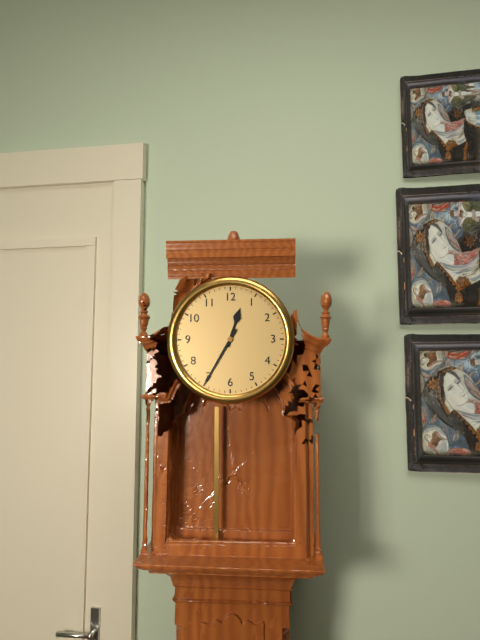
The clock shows 12h35
